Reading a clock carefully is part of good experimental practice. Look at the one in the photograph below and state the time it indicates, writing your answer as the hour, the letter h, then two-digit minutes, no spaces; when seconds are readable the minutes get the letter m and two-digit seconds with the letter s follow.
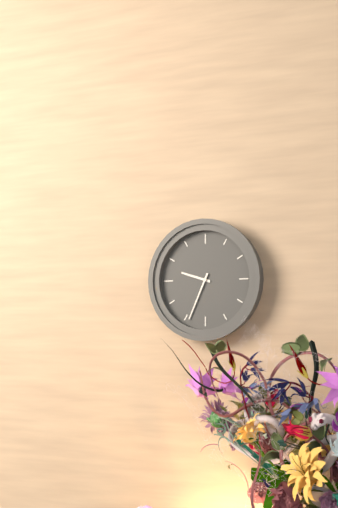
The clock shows 9h34
